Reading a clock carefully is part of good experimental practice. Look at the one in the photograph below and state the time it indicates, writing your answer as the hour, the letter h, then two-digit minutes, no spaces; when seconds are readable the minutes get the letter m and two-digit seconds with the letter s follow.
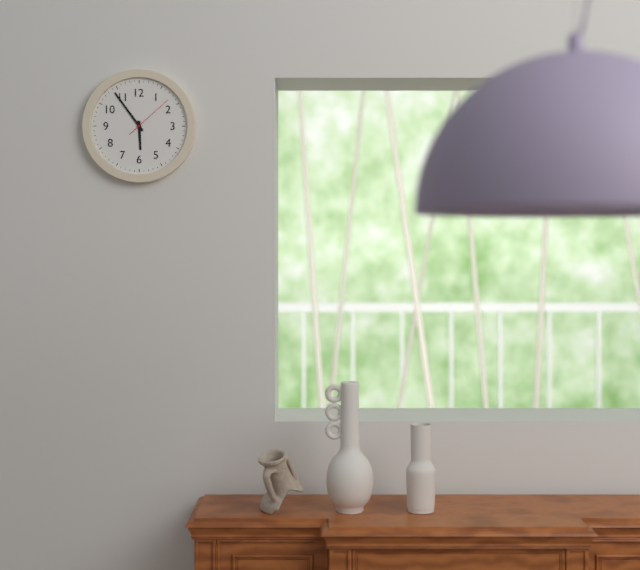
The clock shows 5h54
